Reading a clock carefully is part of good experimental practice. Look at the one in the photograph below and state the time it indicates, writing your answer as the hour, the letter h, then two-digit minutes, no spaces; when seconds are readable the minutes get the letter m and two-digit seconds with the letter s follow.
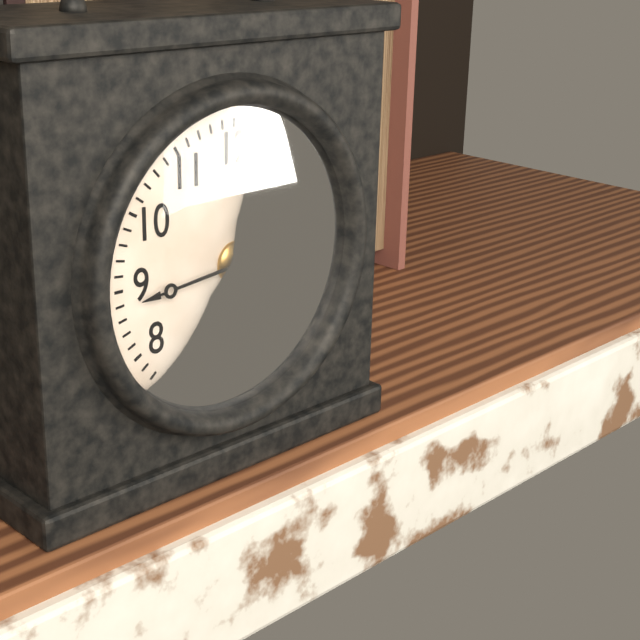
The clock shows 5h44
